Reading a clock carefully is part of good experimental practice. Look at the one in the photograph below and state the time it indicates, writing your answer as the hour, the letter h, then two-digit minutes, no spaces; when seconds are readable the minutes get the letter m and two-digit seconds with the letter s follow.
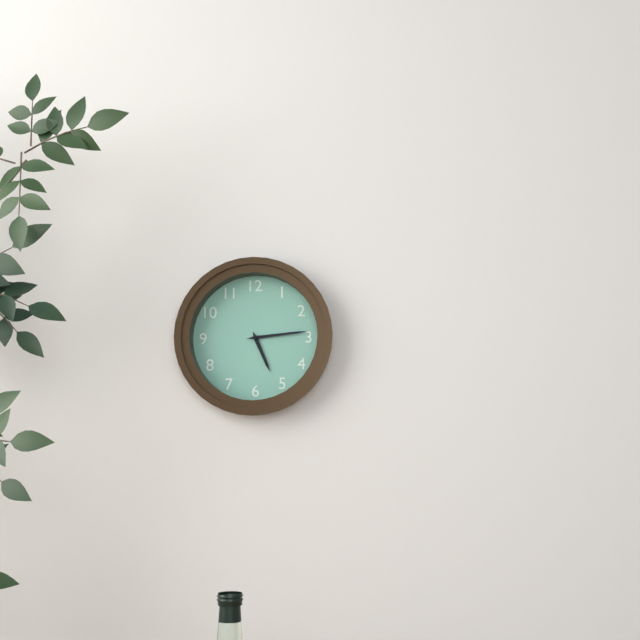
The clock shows 5h14
